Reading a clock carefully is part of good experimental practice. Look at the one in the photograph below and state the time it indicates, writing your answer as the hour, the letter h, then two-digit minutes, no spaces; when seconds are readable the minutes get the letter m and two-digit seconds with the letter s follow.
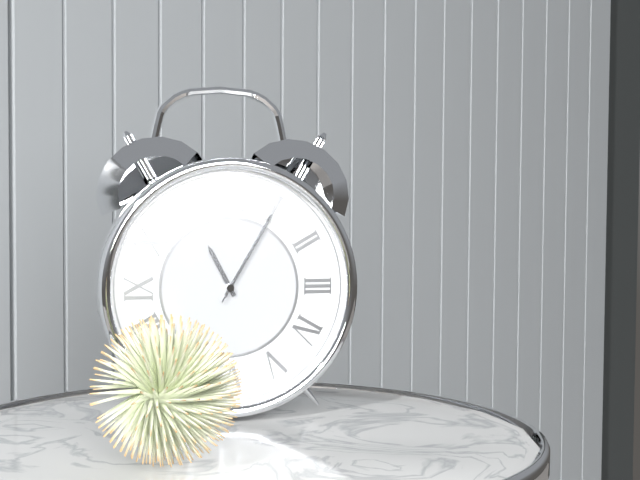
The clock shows 11h05m05s
